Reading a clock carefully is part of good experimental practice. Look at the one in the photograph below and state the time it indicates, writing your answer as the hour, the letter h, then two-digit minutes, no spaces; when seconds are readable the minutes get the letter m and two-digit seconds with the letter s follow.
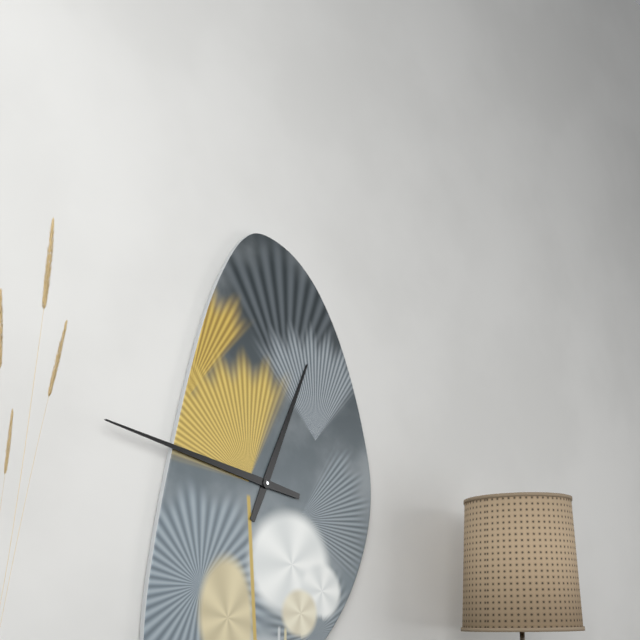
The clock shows 12h47
